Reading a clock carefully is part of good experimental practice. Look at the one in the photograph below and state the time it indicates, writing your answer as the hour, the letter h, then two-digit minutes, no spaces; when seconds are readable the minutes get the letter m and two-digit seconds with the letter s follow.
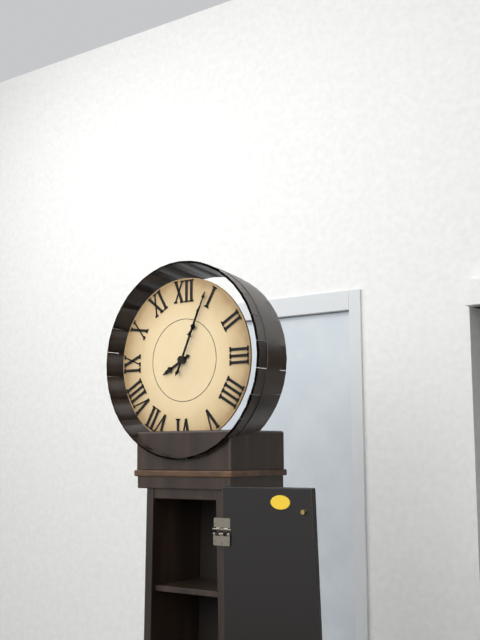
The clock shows 8h04m04s
